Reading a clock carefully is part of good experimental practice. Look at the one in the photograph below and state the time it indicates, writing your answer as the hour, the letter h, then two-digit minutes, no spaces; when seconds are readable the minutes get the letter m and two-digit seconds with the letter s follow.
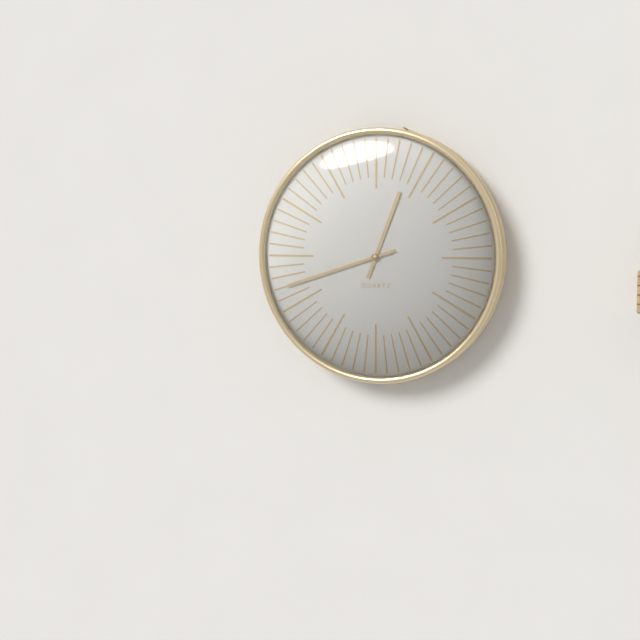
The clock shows 12h42
